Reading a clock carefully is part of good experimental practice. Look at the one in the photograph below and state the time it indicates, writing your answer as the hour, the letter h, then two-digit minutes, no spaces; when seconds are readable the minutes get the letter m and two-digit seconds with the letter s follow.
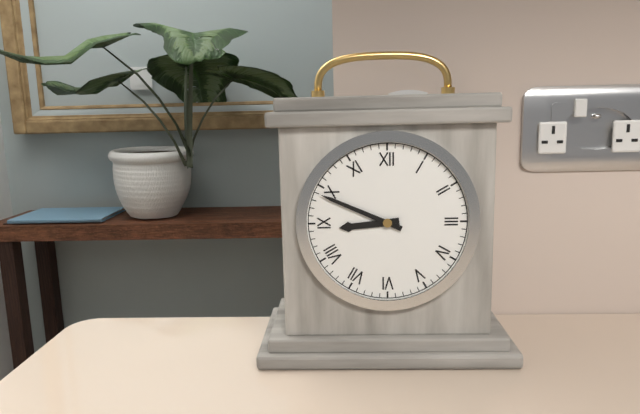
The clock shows 8h49
